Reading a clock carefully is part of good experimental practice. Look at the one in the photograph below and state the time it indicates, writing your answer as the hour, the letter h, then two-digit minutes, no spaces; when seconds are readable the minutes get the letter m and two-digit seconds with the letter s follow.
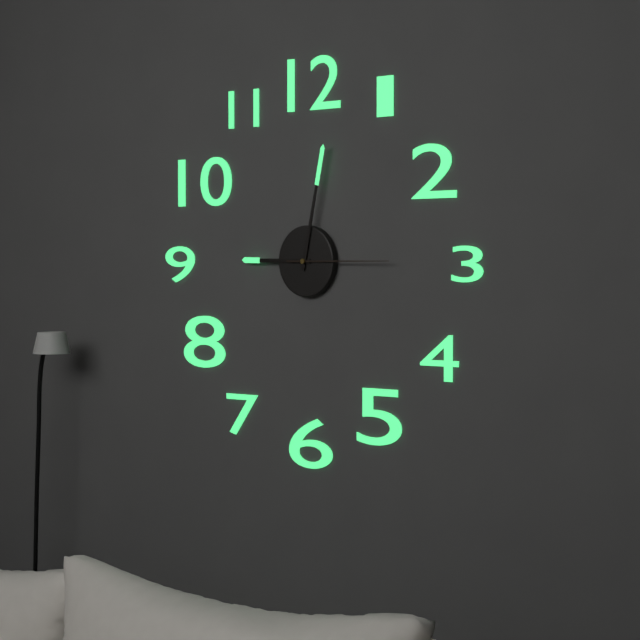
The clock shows 9h02m15s
